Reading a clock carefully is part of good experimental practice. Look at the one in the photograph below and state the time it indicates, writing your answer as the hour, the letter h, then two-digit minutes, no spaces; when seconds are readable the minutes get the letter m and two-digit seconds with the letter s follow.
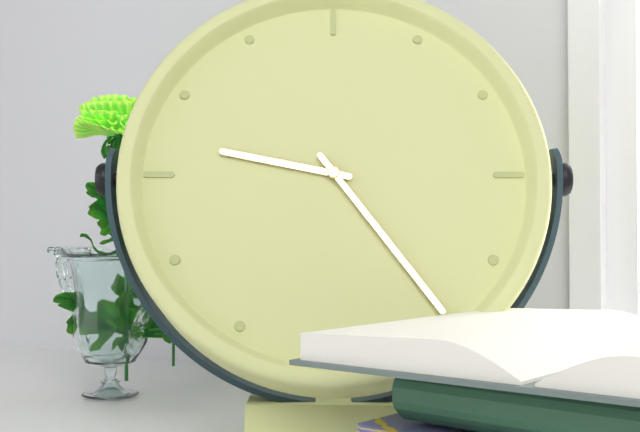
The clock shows 9h24
